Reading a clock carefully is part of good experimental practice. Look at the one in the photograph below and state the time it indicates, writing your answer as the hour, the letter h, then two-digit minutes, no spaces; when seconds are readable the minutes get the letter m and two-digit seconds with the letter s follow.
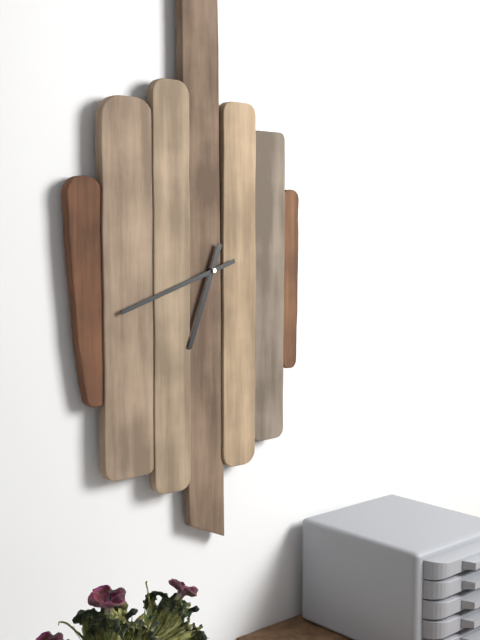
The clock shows 6h42
